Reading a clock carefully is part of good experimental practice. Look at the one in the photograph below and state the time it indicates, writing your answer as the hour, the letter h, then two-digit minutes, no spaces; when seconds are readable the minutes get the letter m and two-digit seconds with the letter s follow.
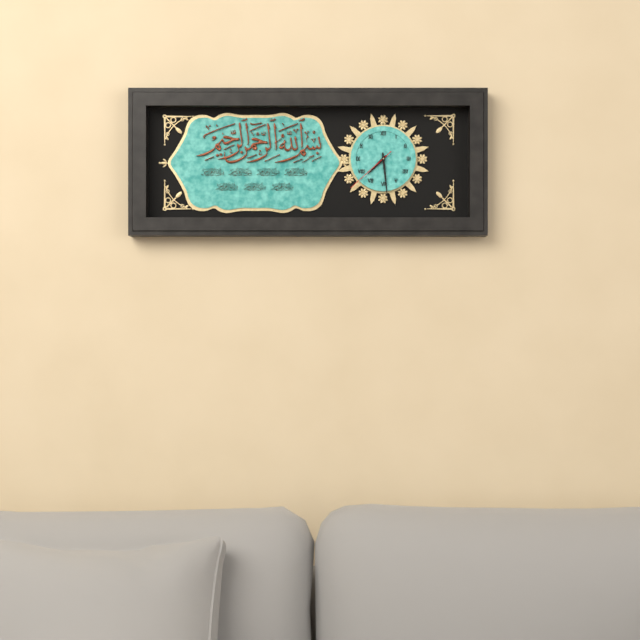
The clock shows 7h29m38s
